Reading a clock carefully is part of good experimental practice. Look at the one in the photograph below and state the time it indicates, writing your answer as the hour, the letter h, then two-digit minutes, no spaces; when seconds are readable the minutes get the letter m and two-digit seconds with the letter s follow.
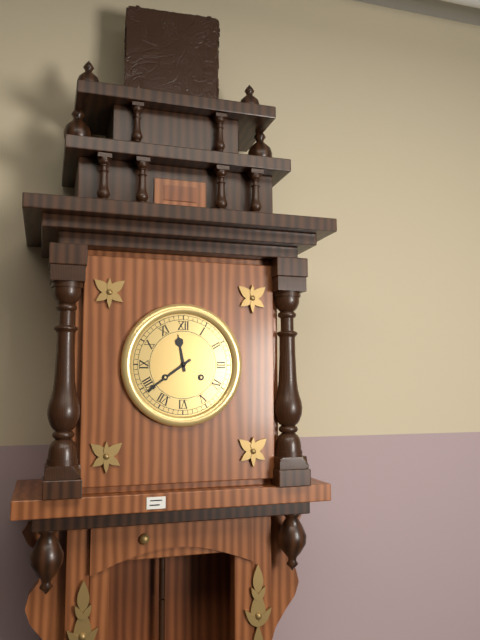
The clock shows 11h39
